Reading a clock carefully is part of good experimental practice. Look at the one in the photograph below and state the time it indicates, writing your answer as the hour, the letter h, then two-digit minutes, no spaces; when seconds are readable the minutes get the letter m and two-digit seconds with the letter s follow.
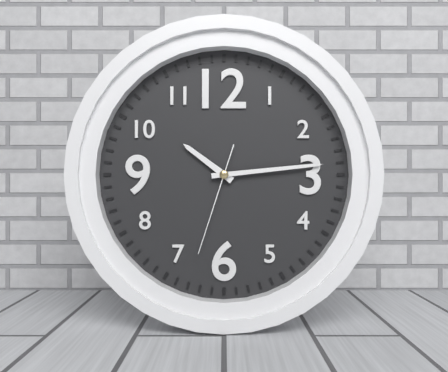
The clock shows 10h14m33s
